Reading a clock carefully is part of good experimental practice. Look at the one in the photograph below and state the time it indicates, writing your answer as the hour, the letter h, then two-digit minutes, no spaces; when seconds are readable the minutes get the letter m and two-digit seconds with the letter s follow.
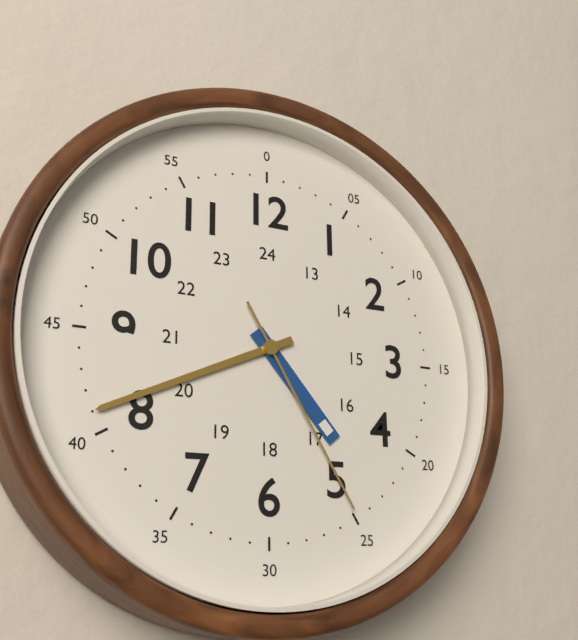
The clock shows 4h41m25s
